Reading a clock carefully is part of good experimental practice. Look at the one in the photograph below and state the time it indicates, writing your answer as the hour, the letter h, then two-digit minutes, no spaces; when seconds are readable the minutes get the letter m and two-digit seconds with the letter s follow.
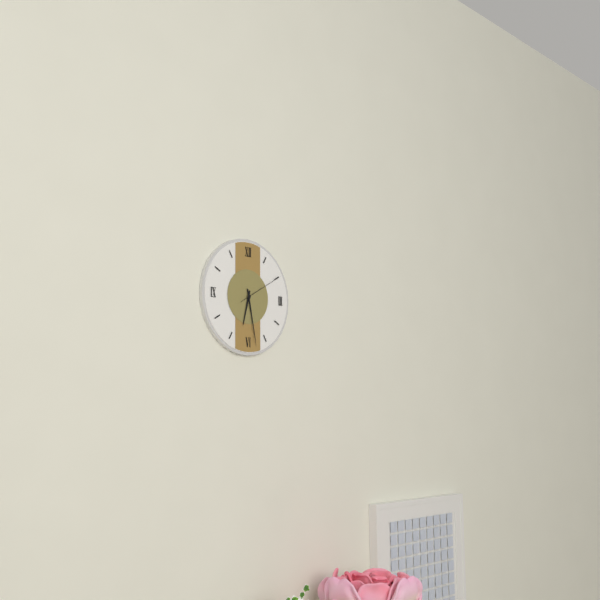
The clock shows 6h28
